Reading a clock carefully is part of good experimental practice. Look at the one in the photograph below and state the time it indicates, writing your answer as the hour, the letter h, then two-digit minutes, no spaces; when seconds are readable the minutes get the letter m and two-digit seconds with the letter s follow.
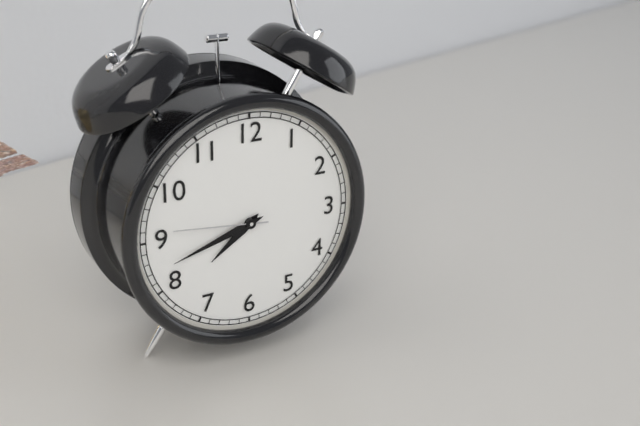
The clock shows 7h42m46s
